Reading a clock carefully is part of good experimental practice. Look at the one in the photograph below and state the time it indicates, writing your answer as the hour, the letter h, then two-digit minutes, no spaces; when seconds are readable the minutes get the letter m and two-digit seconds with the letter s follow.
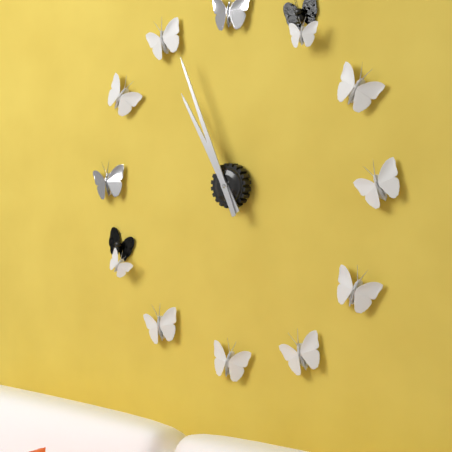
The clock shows 10h56
